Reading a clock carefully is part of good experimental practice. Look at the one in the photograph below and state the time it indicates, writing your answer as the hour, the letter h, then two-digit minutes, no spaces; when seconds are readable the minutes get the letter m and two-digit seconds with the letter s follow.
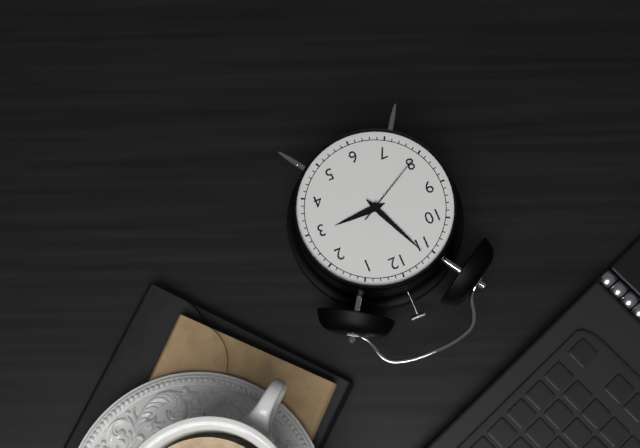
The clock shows 2h56m40s
